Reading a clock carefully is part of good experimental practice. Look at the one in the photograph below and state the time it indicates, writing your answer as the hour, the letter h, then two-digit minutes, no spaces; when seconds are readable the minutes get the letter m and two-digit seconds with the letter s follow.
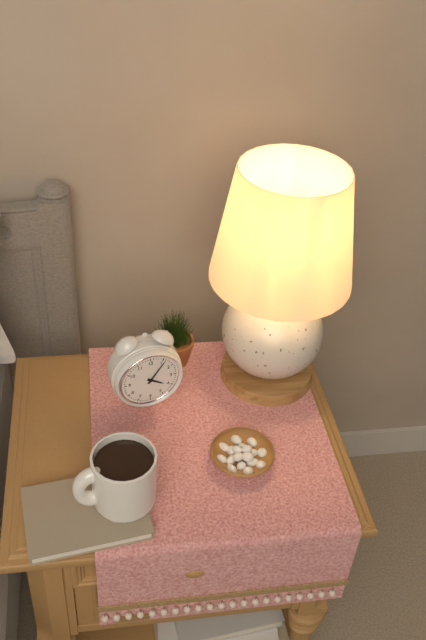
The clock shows 4h06
